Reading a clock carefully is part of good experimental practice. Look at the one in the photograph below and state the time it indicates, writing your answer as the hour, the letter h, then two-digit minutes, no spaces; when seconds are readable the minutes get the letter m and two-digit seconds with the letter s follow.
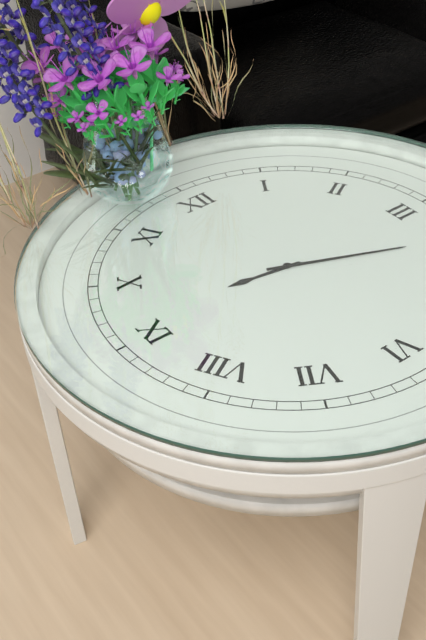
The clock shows 9h19
